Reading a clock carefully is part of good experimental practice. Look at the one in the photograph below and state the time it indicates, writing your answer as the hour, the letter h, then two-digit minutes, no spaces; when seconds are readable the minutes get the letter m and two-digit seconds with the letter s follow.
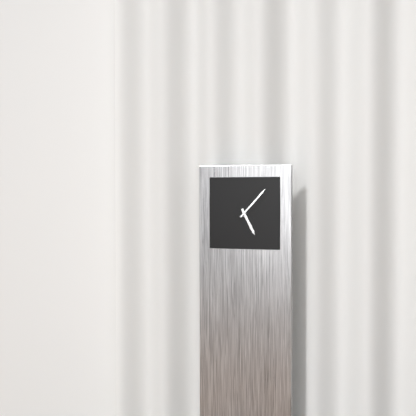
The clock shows 5h07
